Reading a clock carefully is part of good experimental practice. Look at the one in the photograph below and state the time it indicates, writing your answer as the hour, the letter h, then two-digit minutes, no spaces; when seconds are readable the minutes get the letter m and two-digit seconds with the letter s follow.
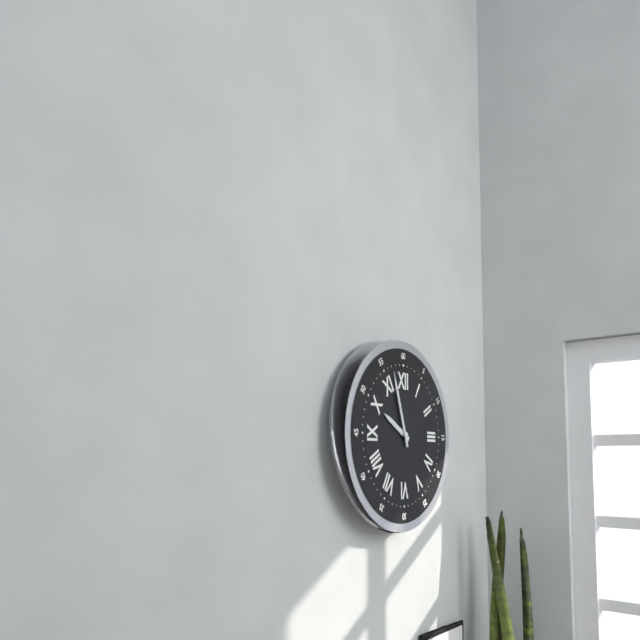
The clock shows 9h57
